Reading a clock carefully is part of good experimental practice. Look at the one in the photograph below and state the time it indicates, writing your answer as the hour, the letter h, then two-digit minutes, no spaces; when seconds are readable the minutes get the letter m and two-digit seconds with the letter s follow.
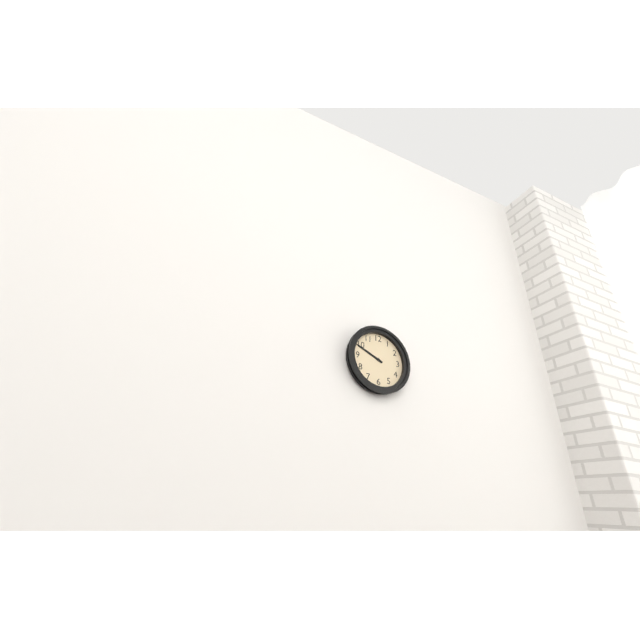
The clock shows 9h49
